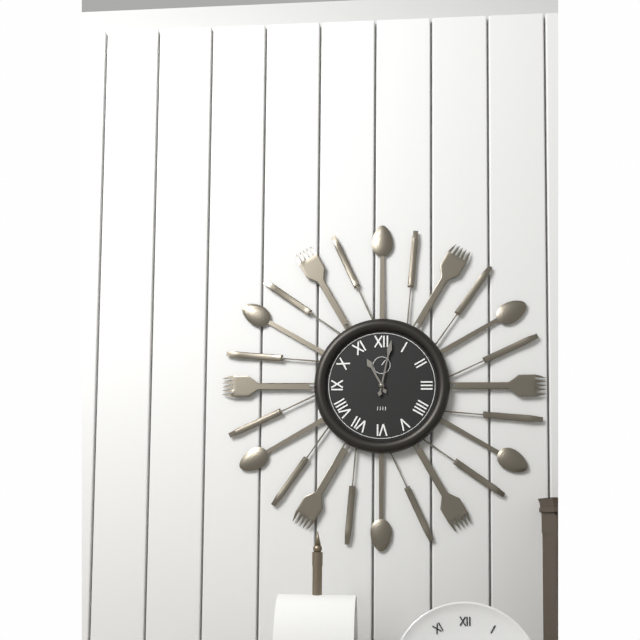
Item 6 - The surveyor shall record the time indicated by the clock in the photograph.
11:02
